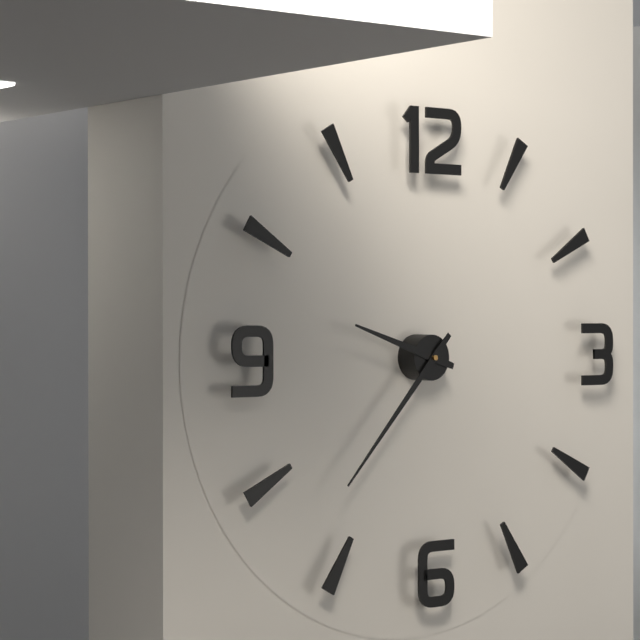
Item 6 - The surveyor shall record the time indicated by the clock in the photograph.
9:37
